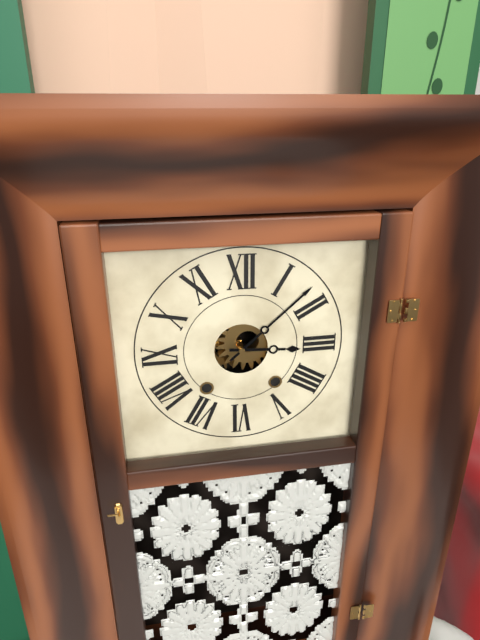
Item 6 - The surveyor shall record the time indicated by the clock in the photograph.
3:08
